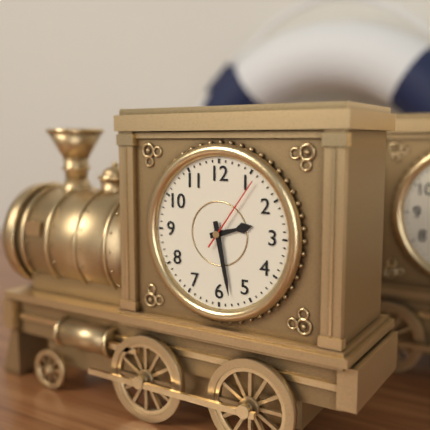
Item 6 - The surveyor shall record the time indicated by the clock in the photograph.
2:28:06
